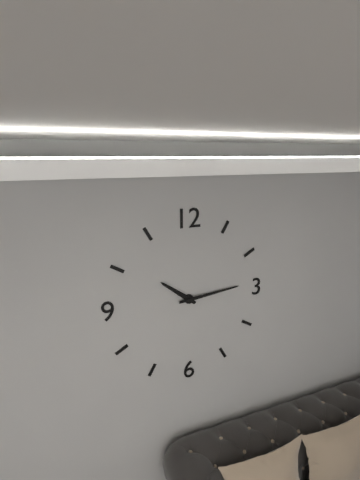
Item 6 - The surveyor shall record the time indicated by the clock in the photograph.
10:14
